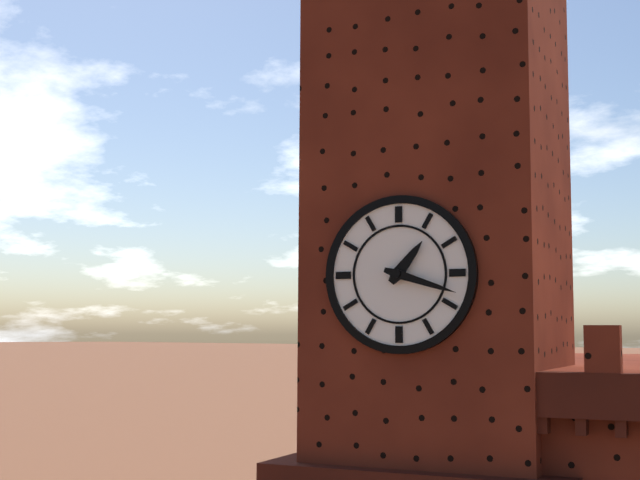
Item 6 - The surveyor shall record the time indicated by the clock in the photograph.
1:18
